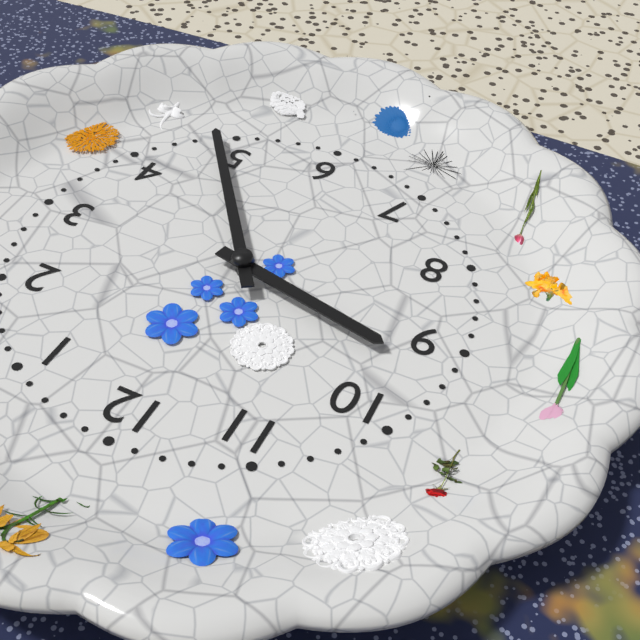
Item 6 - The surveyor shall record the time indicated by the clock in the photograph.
9:24
